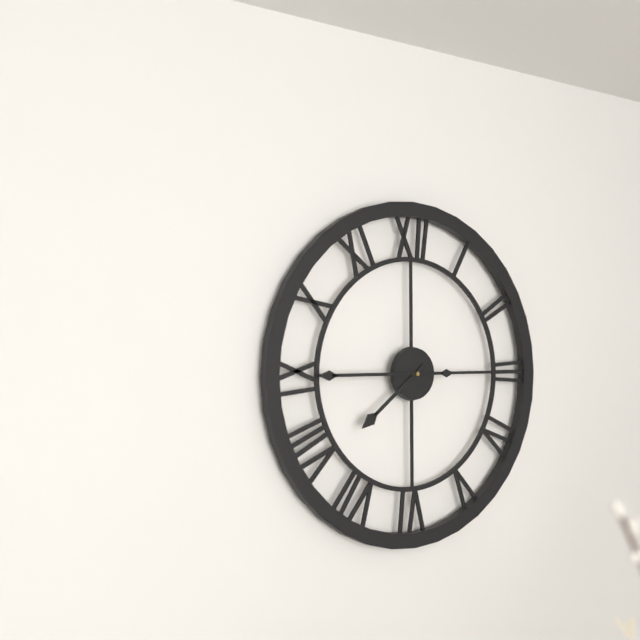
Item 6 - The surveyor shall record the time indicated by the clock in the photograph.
7:45
